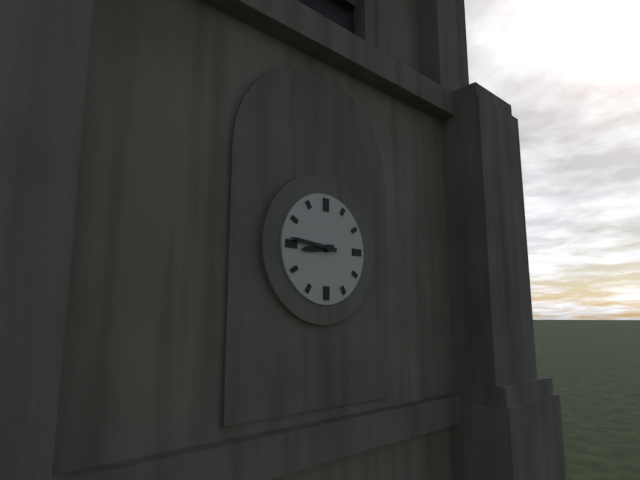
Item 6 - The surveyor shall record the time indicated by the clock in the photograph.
8:46
